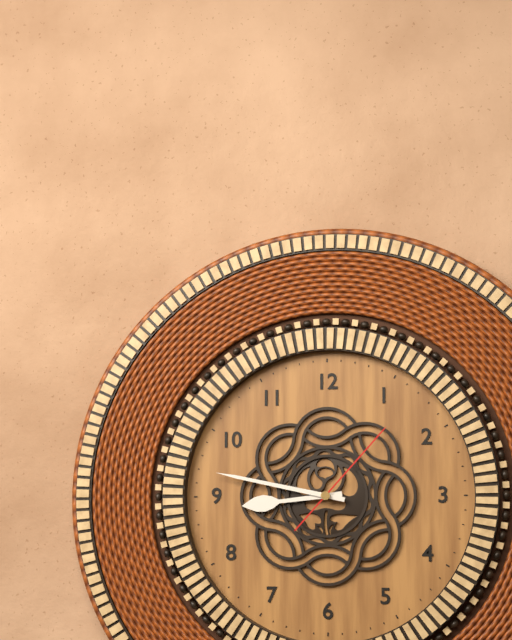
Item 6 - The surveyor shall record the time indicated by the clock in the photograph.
8:47:07
